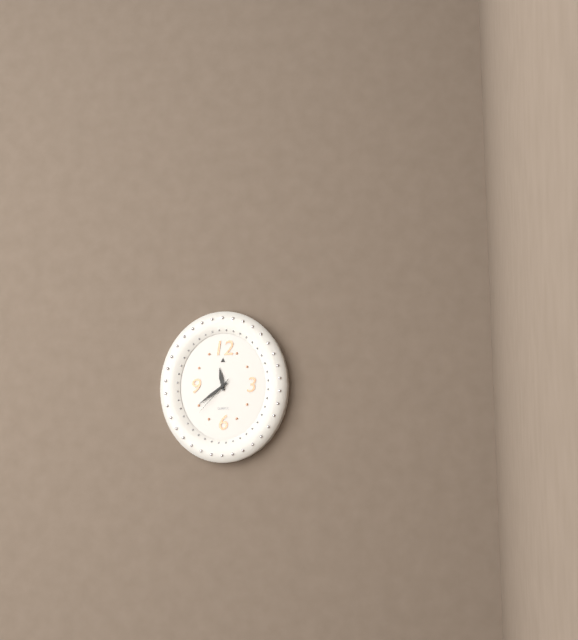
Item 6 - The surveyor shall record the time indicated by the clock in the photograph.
11:39
